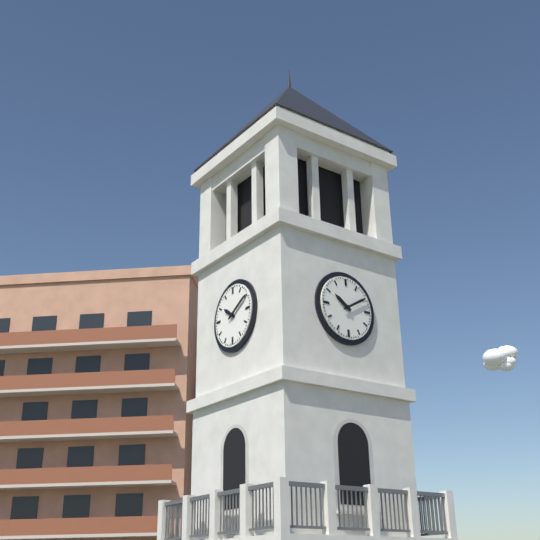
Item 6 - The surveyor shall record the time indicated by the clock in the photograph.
10:10
